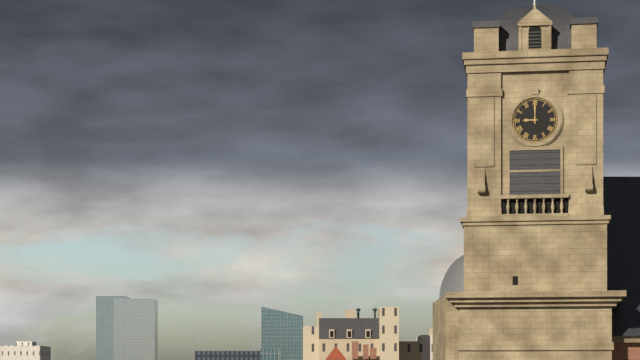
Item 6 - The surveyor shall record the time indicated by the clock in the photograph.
9:00
